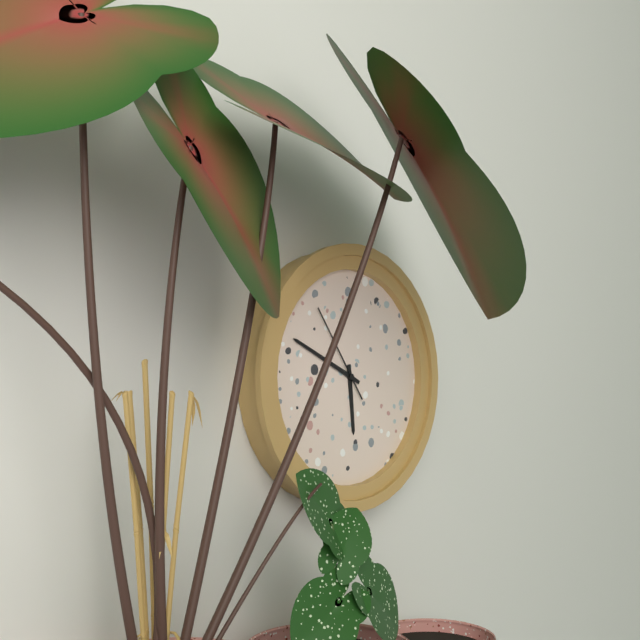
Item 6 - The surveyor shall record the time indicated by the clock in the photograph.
5:49:54
